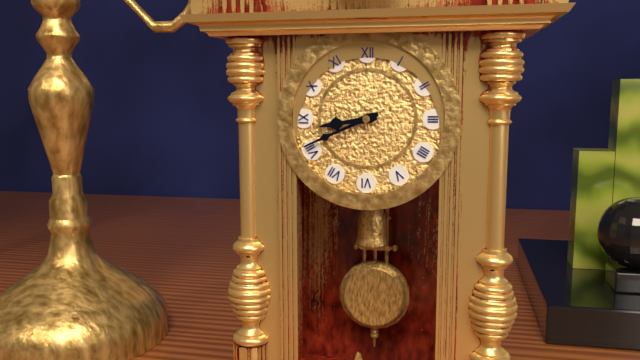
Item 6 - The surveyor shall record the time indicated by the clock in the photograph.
8:41
